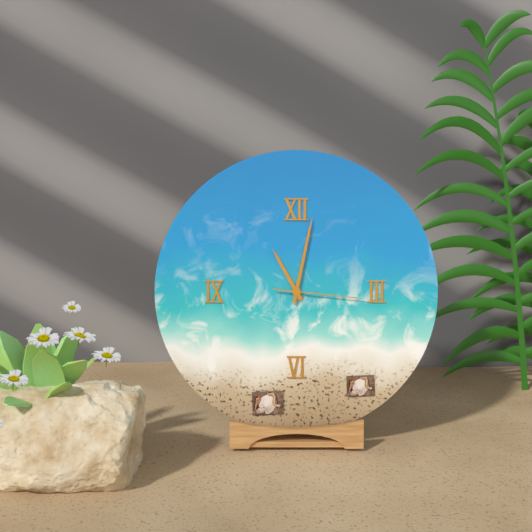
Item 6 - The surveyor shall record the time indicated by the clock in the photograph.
11:02:16
